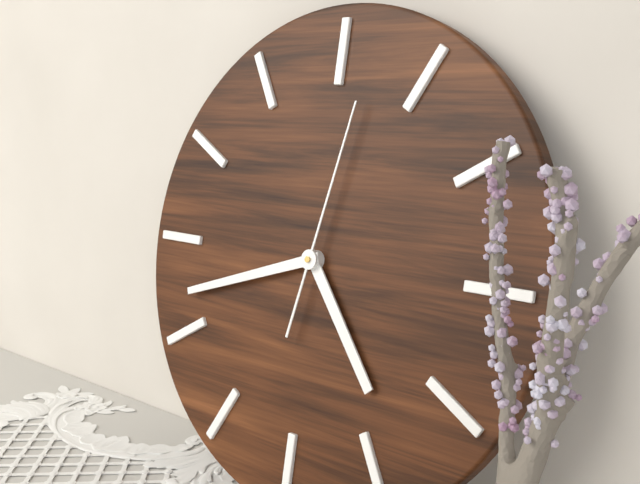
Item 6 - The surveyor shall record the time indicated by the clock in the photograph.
4:42:02
